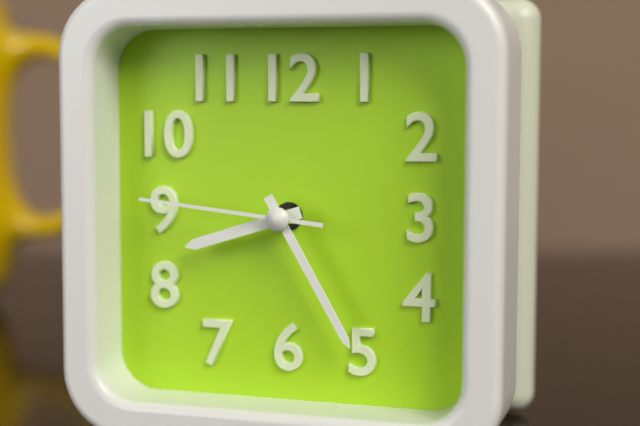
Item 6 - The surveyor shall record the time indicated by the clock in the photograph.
8:25:46
